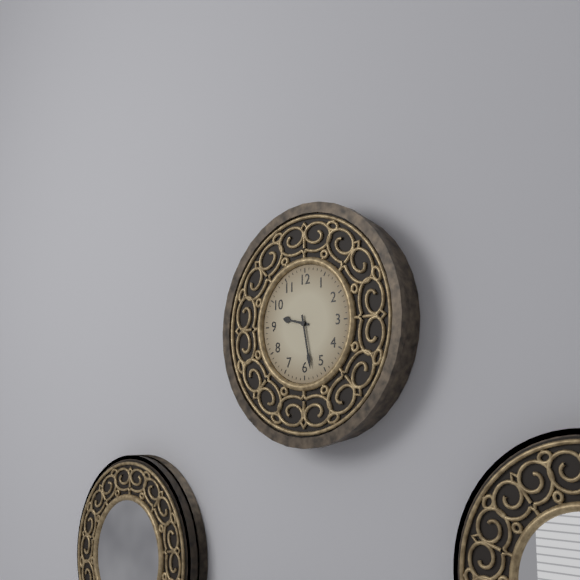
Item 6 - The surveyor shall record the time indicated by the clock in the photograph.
9:28
